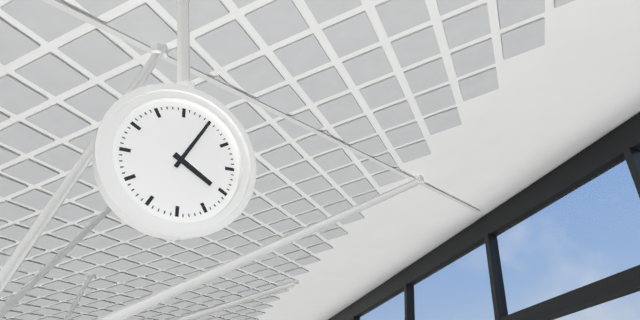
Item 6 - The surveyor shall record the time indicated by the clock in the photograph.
4:05
